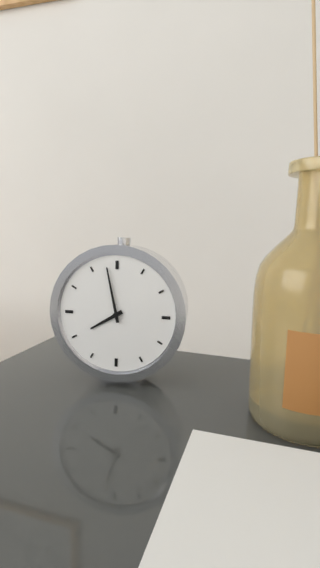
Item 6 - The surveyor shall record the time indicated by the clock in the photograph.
7:58
